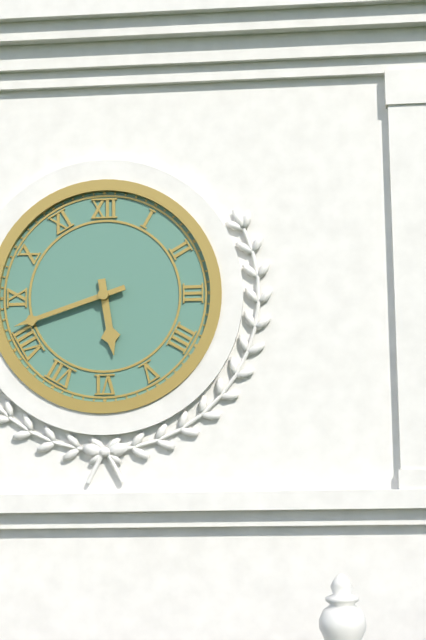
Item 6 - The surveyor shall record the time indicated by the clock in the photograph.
5:42
